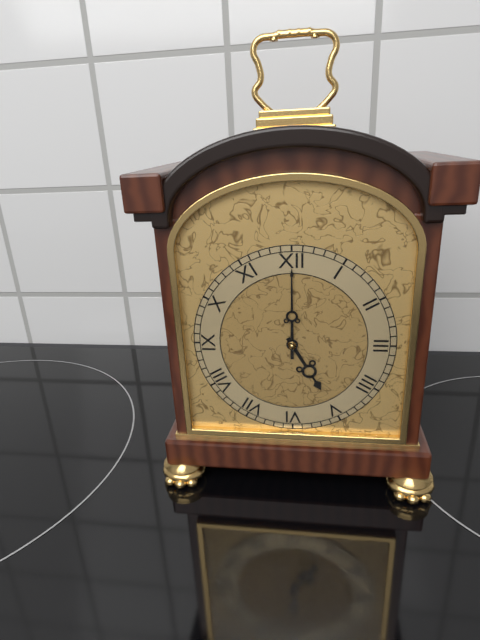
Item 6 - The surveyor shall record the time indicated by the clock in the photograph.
5:00
